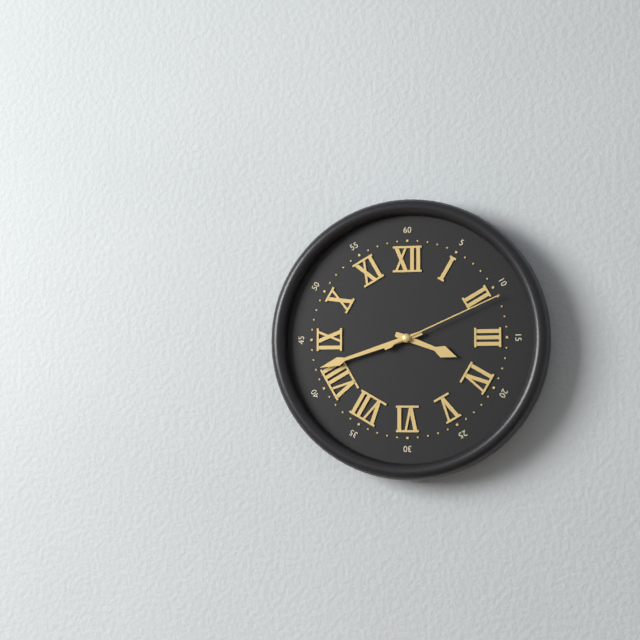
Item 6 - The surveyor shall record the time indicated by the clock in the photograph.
3:42:11
